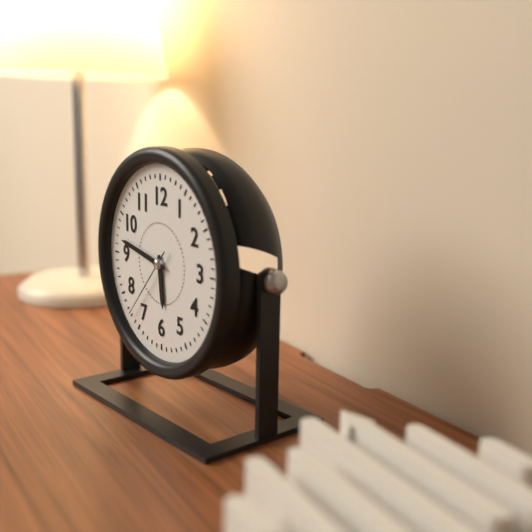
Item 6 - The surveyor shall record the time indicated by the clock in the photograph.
5:47:37
